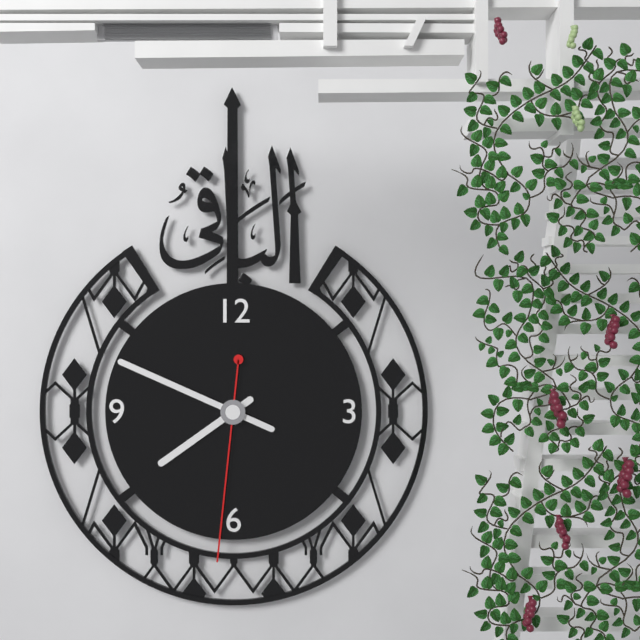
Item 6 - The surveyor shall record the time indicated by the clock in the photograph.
7:49:31
